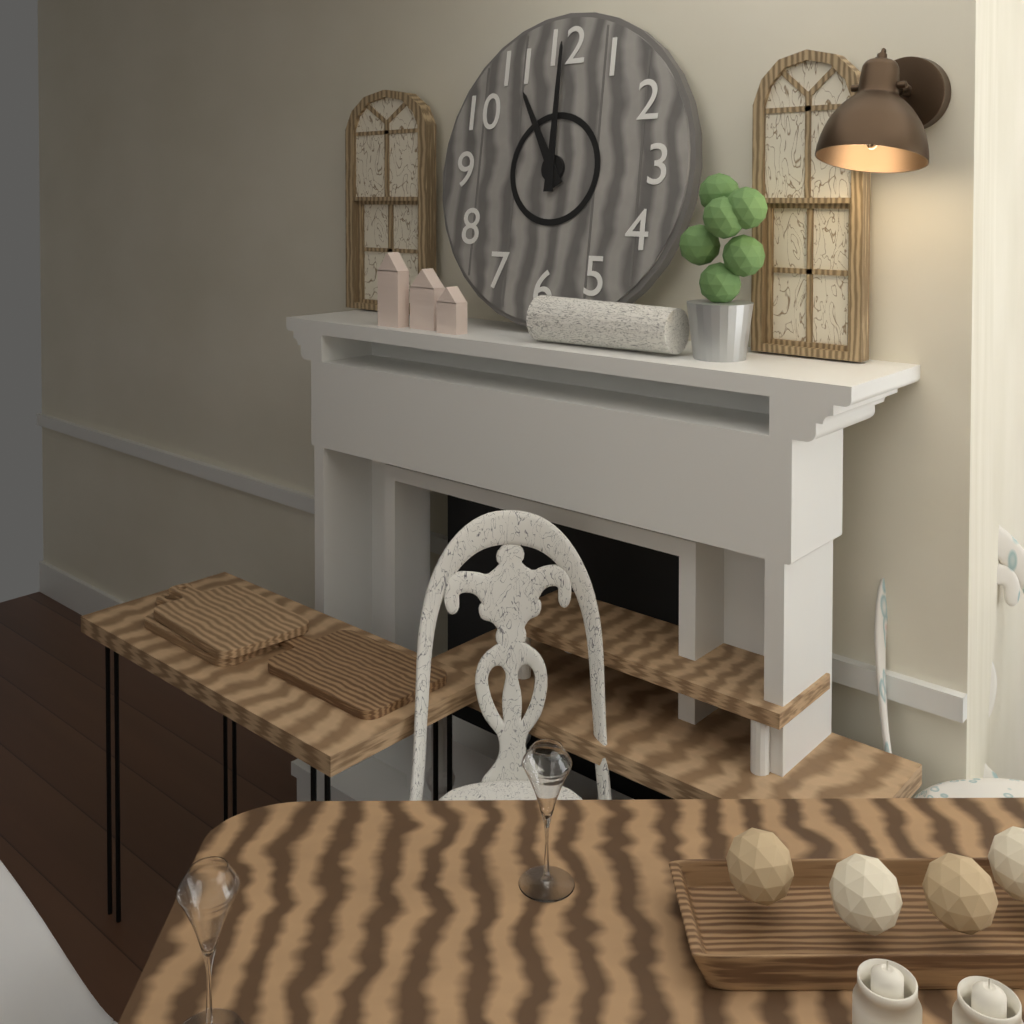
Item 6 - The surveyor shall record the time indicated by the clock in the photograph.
11:00
